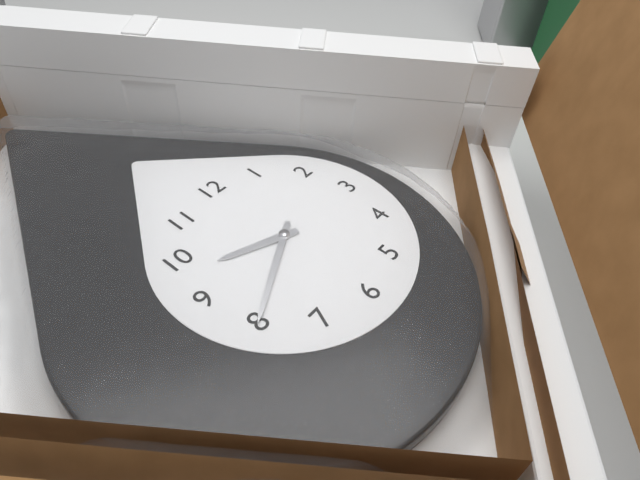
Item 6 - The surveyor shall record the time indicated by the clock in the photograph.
9:40
